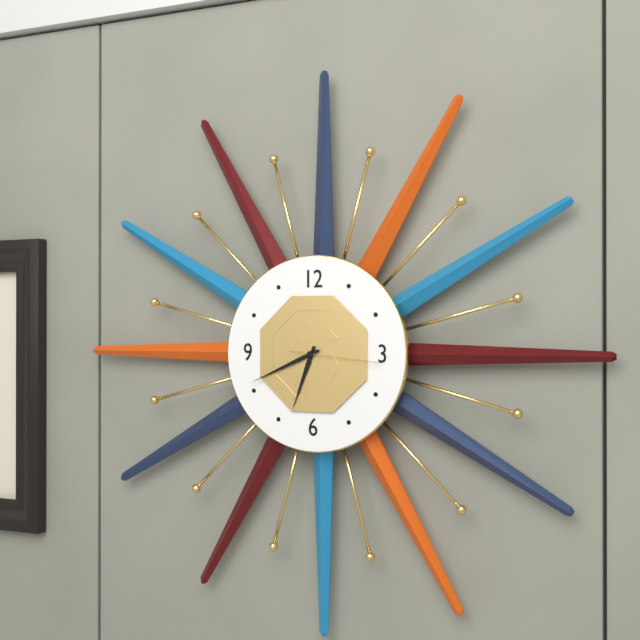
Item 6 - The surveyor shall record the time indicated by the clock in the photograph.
6:41:16
